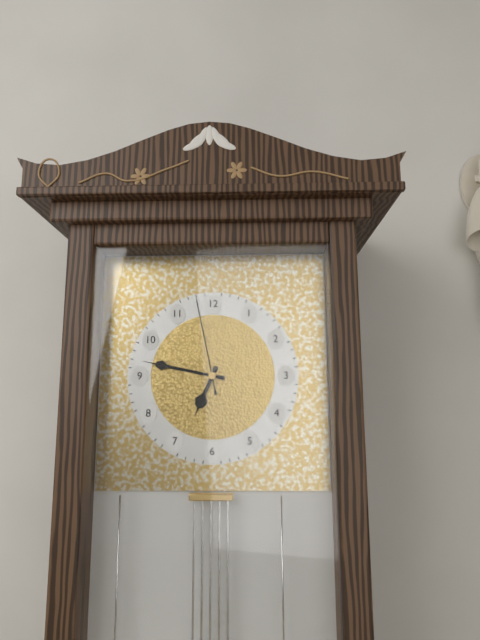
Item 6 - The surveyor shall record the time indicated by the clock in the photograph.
6:47:58
